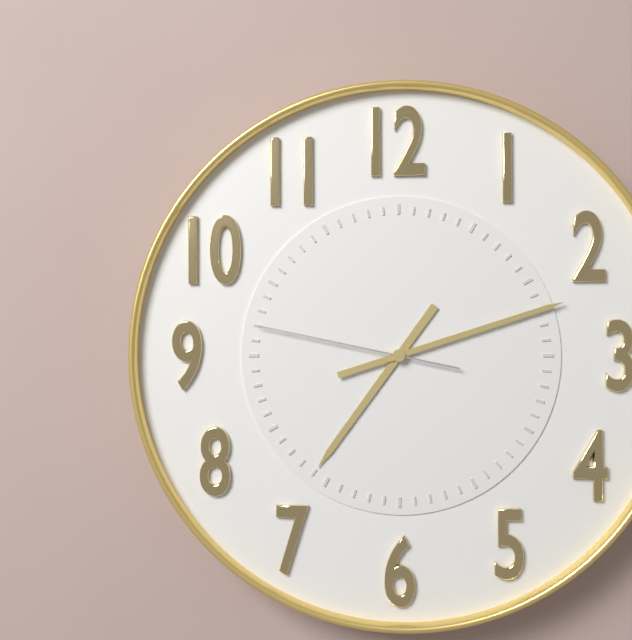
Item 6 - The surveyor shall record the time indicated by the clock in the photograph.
7:12:47
